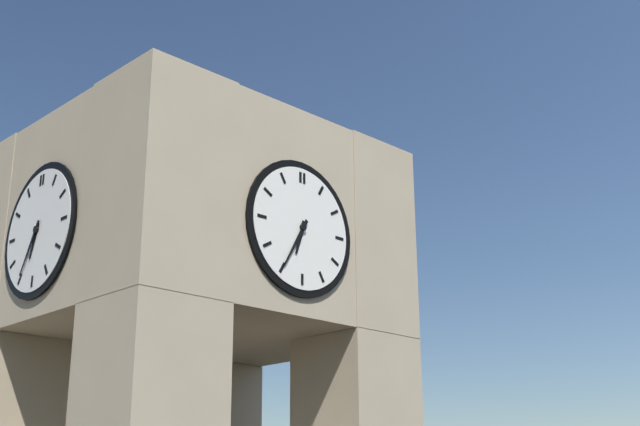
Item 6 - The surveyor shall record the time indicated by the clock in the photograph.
6:35
